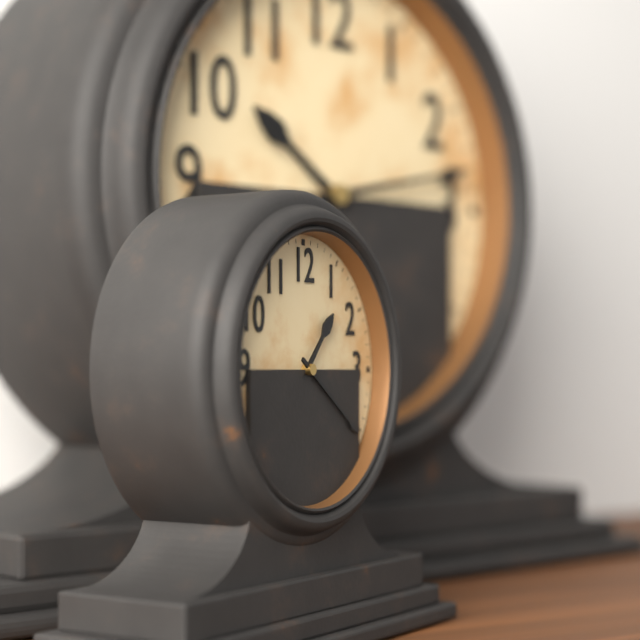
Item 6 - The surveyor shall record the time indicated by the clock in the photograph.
1:21
